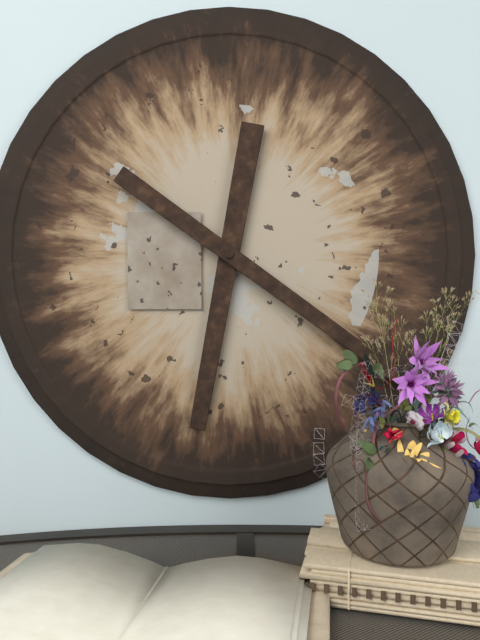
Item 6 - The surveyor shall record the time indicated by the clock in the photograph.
6:21
